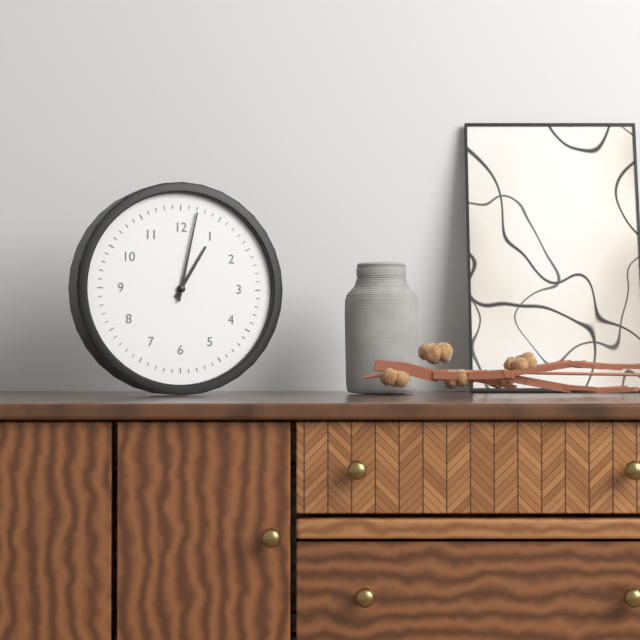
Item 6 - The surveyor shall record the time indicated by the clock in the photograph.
1:02
